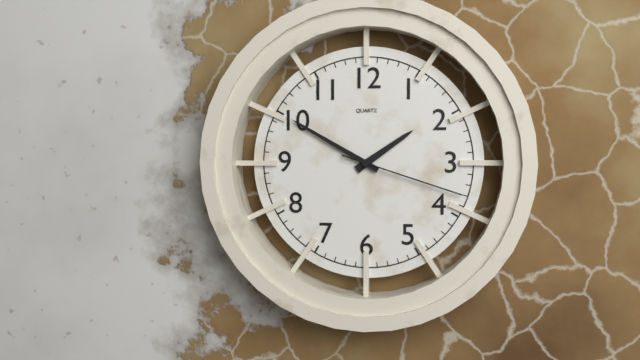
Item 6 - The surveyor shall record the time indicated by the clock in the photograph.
1:50:18
